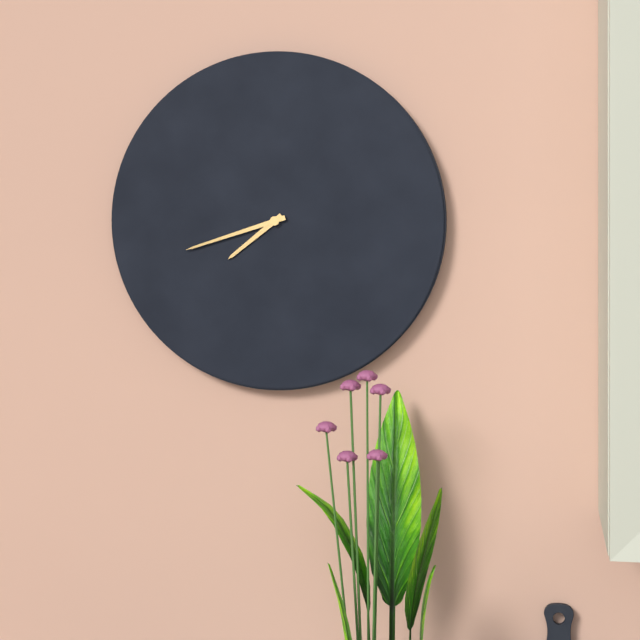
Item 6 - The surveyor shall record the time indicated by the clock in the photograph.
7:42
